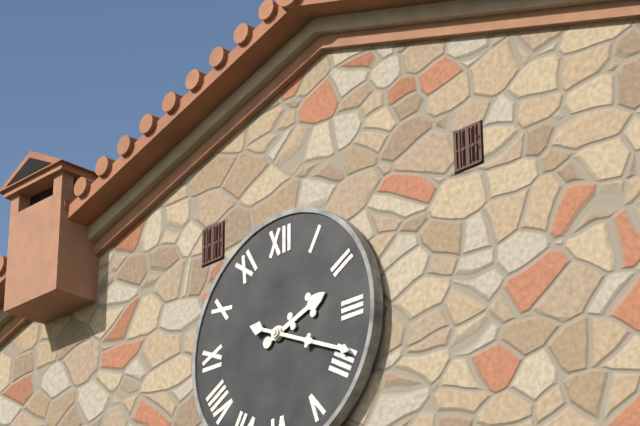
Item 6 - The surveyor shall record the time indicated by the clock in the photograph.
2:19
